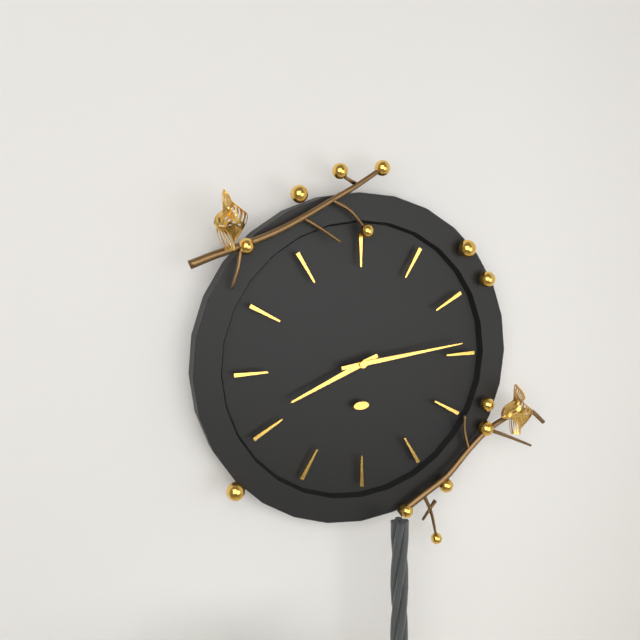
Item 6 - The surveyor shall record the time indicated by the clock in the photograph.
8:14
